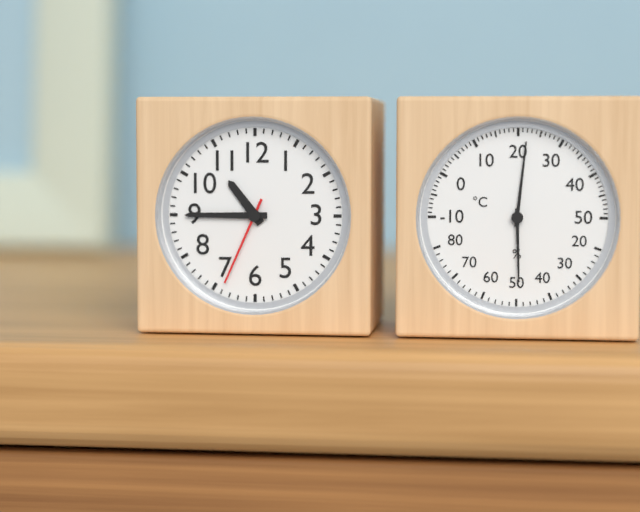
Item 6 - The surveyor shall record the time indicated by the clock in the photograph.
10:45:34
